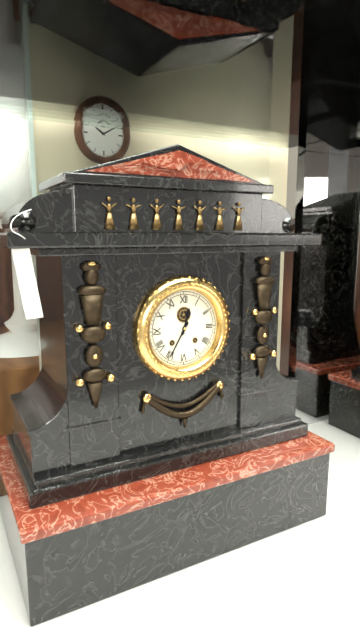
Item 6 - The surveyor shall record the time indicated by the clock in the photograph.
12:35
